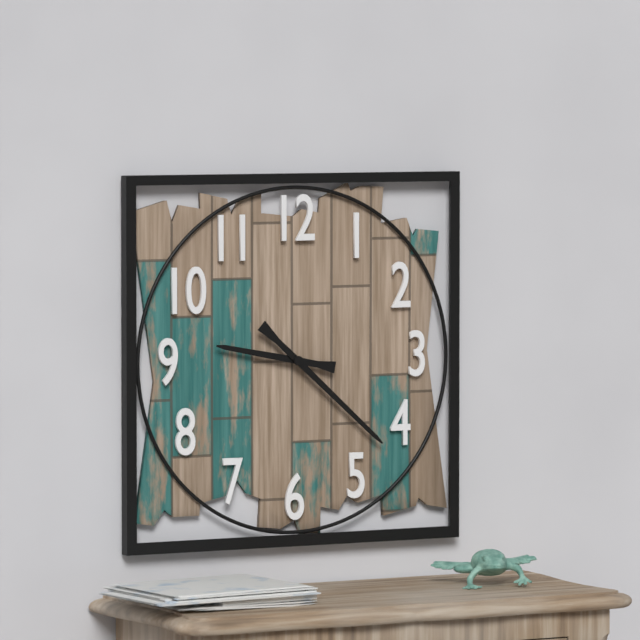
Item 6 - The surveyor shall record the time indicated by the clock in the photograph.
9:22
